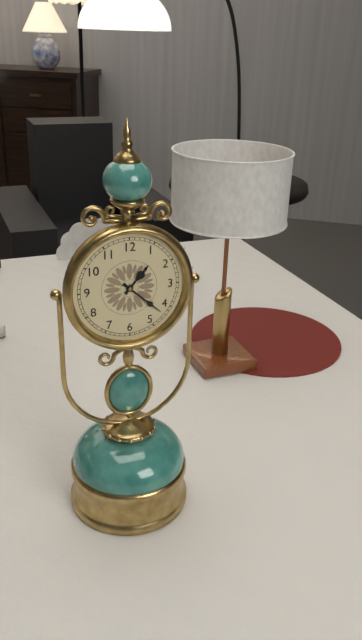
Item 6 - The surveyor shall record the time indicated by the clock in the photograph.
1:22
